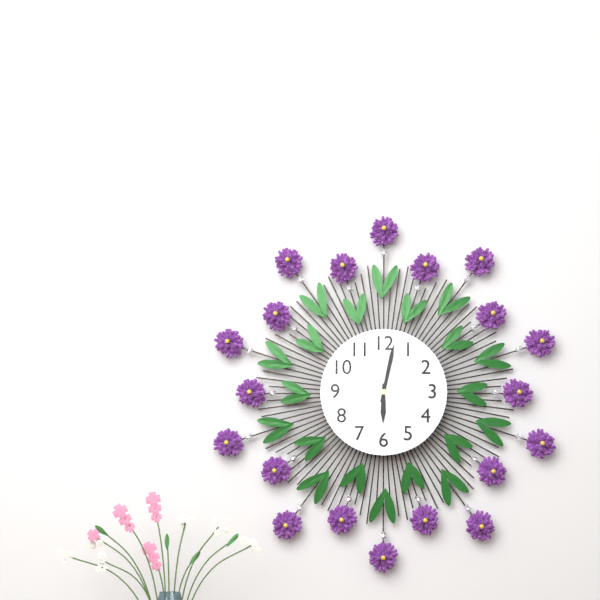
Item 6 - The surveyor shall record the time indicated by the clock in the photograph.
6:02
